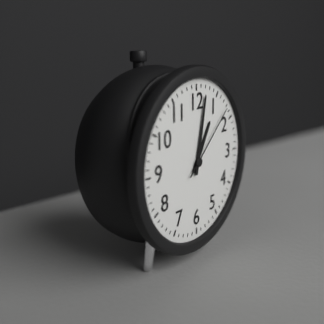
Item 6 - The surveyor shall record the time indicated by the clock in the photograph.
1:02:08
